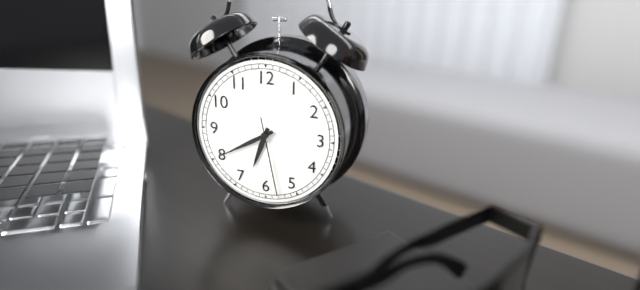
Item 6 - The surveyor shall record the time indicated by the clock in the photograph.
6:40:28
